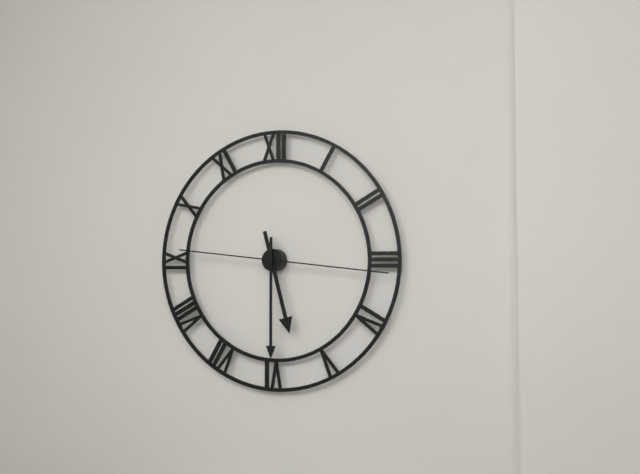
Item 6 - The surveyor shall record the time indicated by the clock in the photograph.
5:30:16
